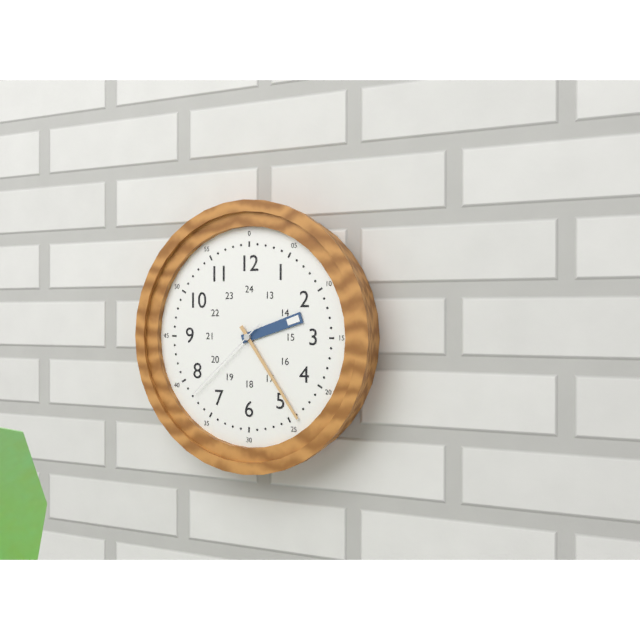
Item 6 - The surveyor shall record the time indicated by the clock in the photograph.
2:24:38
